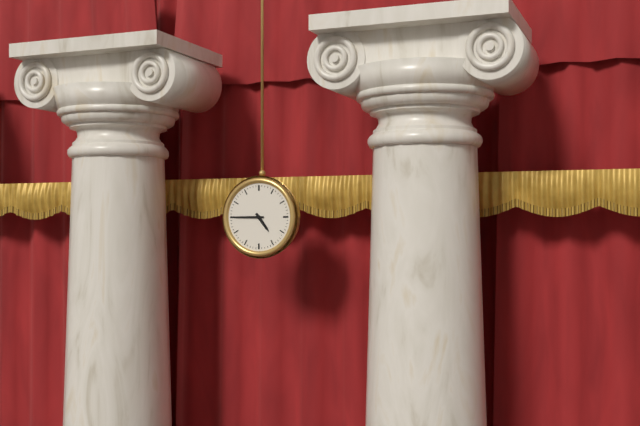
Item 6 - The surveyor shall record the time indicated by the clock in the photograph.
4:45
